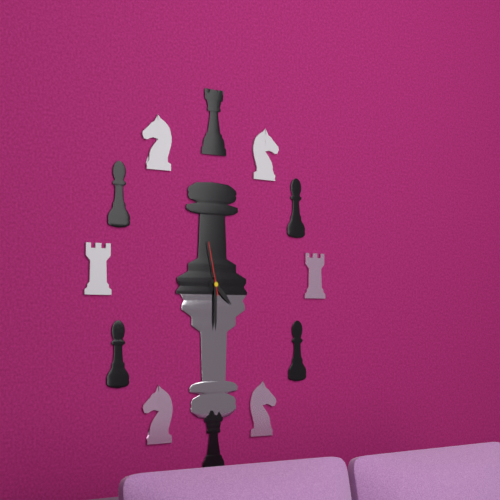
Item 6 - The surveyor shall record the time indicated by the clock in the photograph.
4:30:58
